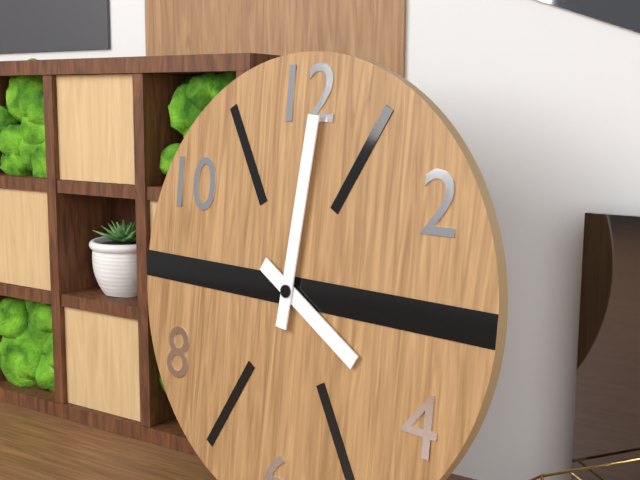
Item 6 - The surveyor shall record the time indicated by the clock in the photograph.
4:01
